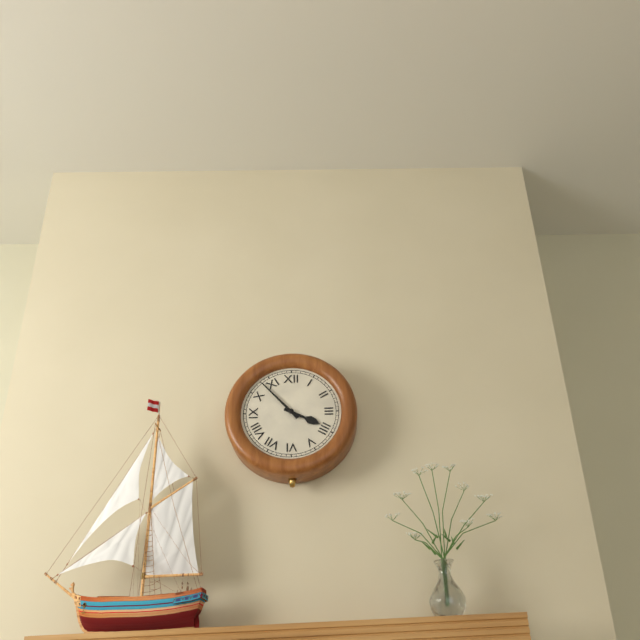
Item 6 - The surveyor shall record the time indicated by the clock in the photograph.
3:53
